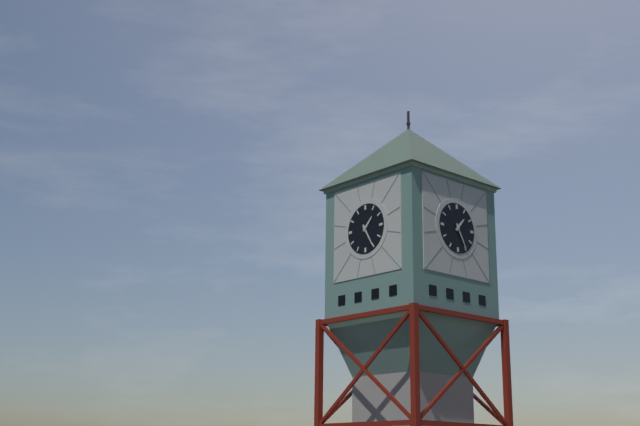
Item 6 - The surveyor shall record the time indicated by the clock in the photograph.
1:25
